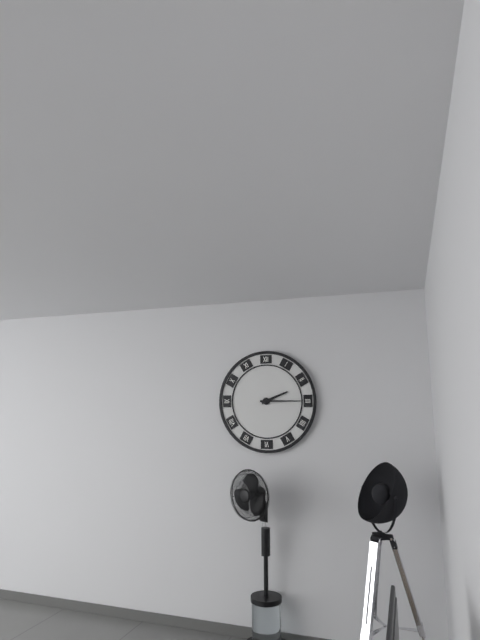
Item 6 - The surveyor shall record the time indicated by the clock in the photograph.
2:15
